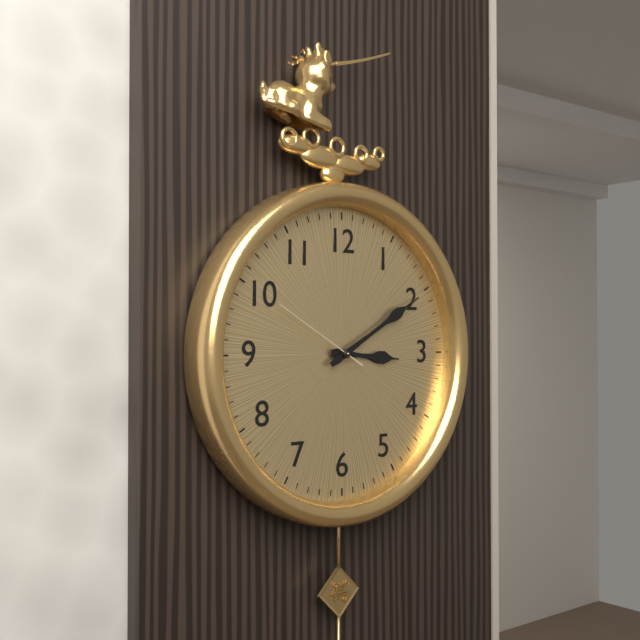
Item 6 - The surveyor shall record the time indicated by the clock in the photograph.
3:10:50
